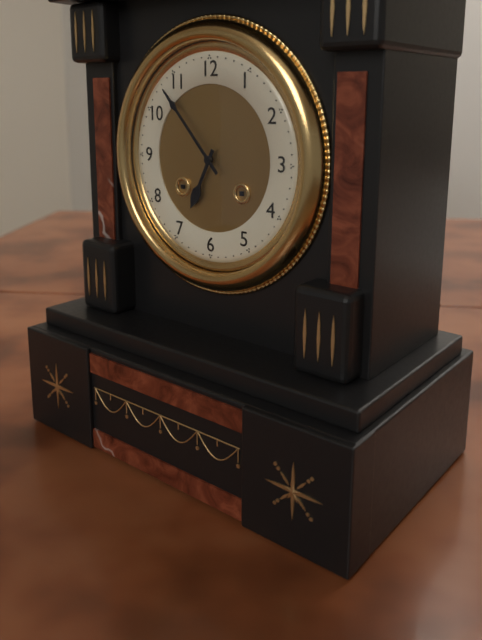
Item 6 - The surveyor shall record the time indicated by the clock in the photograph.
6:53
